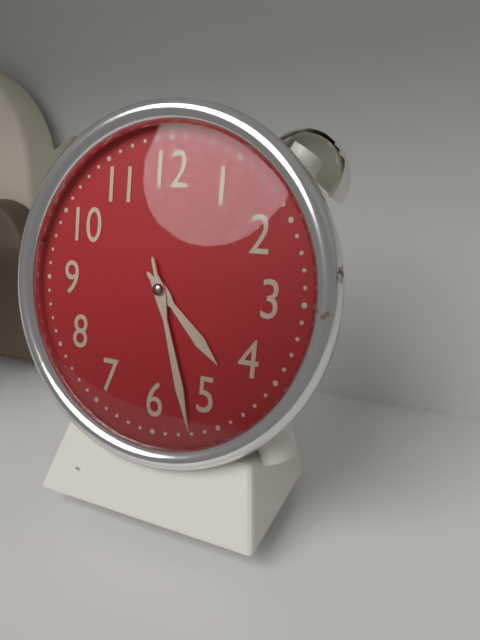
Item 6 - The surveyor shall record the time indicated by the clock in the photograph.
4:27
